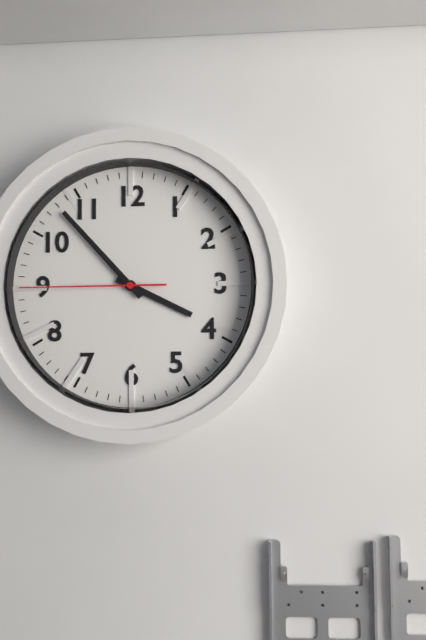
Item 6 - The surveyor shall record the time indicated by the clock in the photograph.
3:53:45
